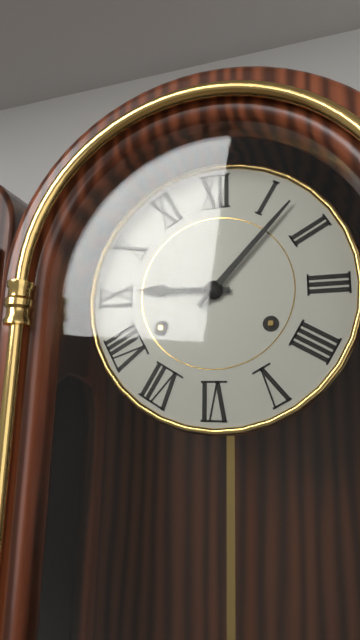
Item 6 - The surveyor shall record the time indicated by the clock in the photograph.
9:07
